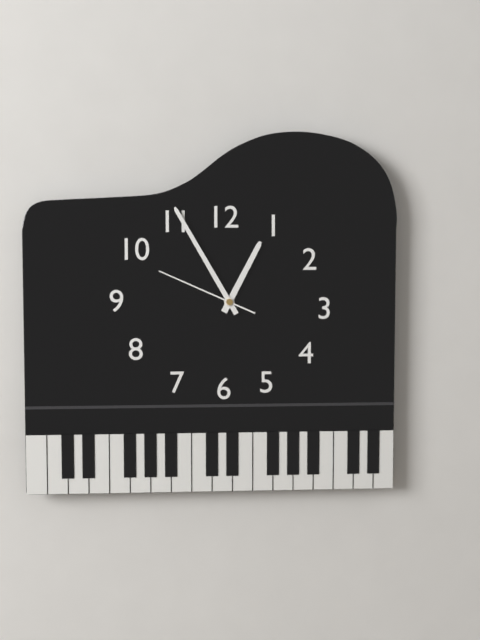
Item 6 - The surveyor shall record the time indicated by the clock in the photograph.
12:55:49
